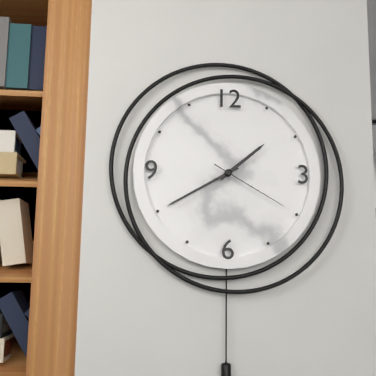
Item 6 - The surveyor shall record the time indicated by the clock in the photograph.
1:40:20
